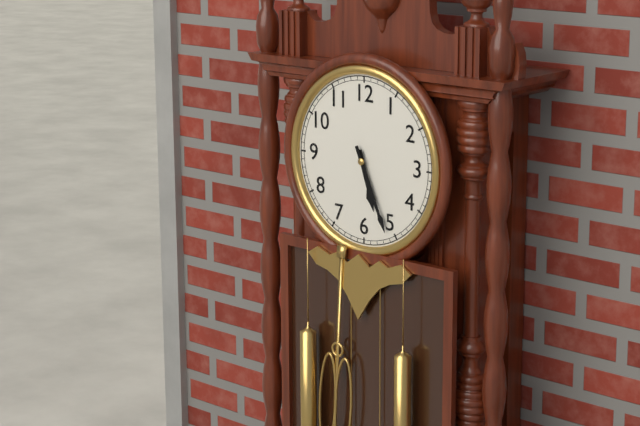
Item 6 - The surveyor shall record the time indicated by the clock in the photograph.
5:26
